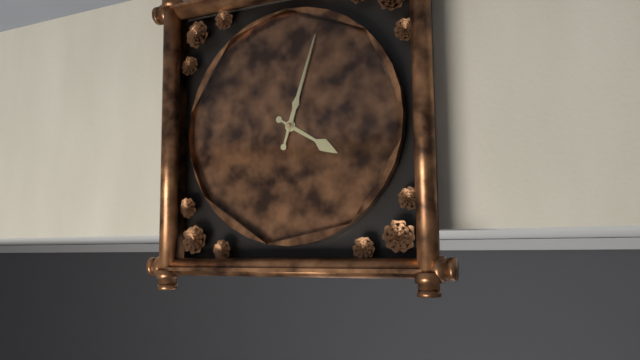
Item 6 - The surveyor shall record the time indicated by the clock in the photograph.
4:03
